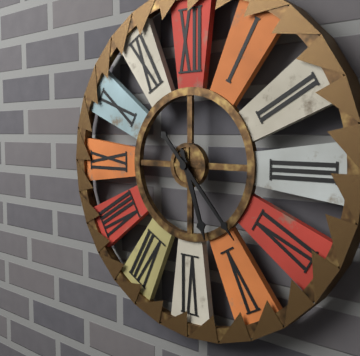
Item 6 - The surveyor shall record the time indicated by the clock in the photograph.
5:23
